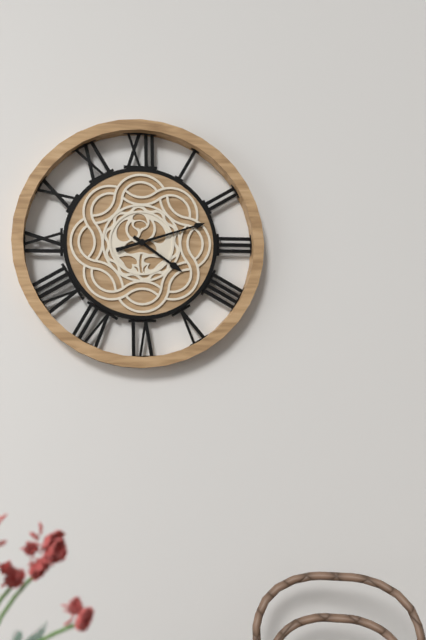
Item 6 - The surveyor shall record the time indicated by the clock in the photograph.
4:12
